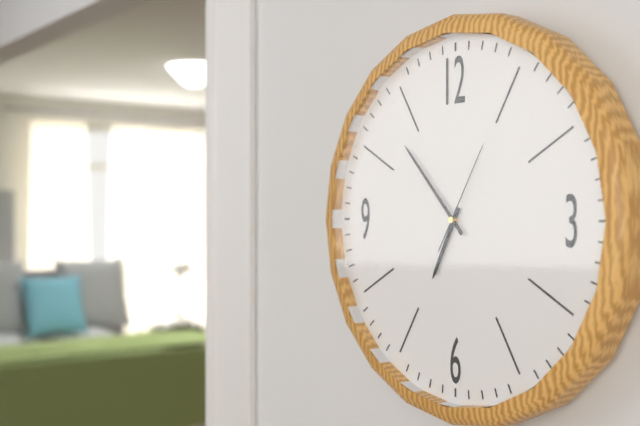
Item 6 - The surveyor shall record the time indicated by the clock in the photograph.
6:53:05
